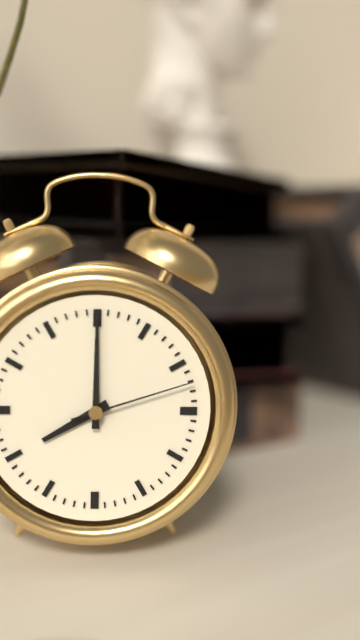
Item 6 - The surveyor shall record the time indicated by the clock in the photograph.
8:00:12
